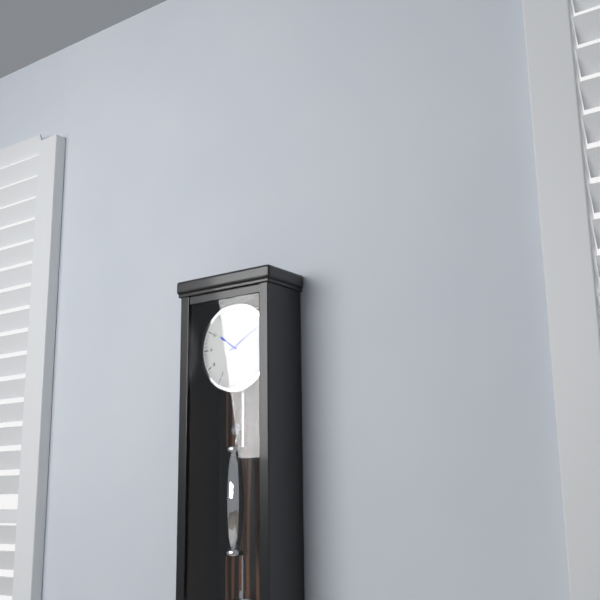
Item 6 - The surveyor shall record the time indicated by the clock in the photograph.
10:10
